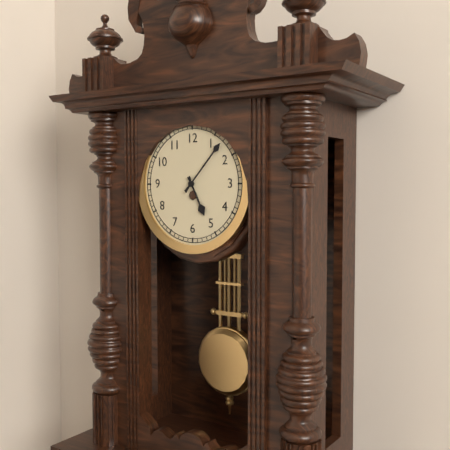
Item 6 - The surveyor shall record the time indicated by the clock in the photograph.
5:07
